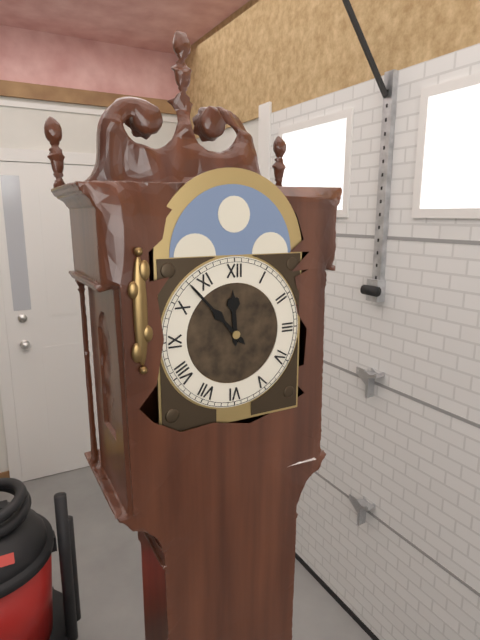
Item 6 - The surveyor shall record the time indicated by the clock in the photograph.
11:53
